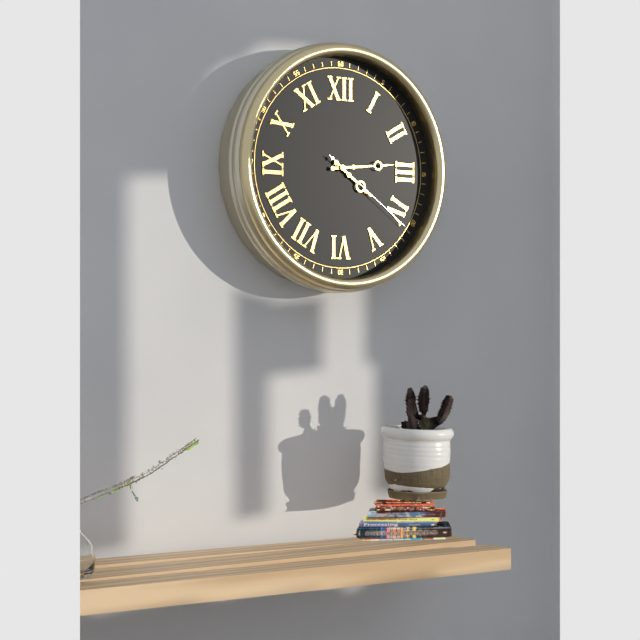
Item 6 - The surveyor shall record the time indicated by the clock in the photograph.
4:14:21
